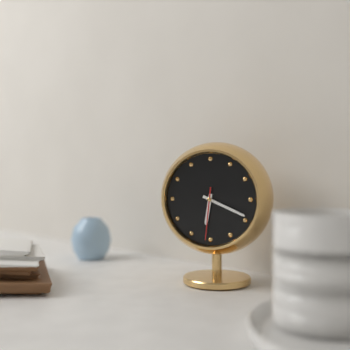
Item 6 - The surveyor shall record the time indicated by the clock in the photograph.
6:19:31
